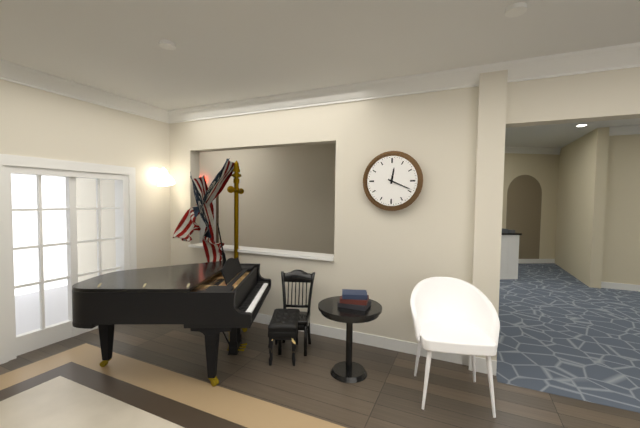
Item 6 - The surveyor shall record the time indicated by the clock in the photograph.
12:19
